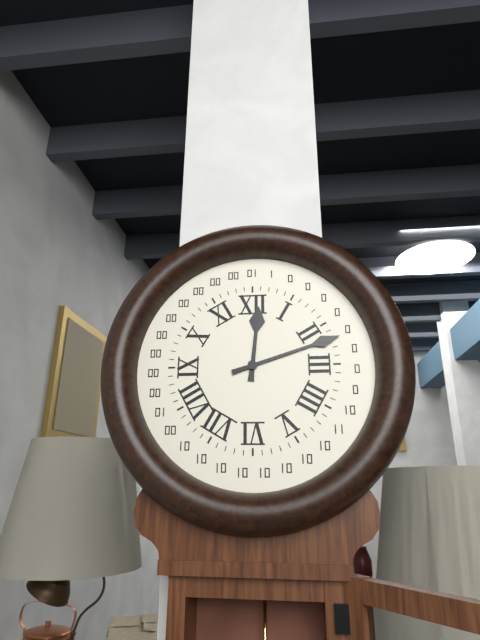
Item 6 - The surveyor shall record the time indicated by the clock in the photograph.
12:12
